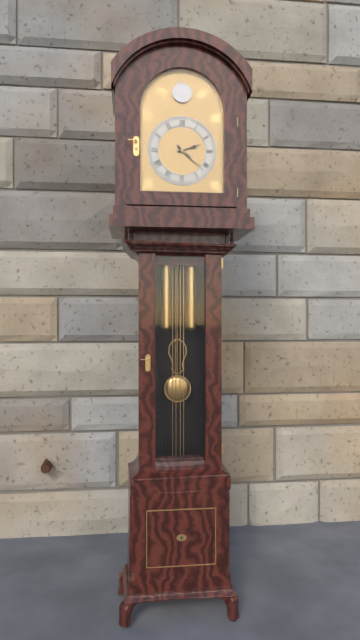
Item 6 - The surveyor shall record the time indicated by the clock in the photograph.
2:22
